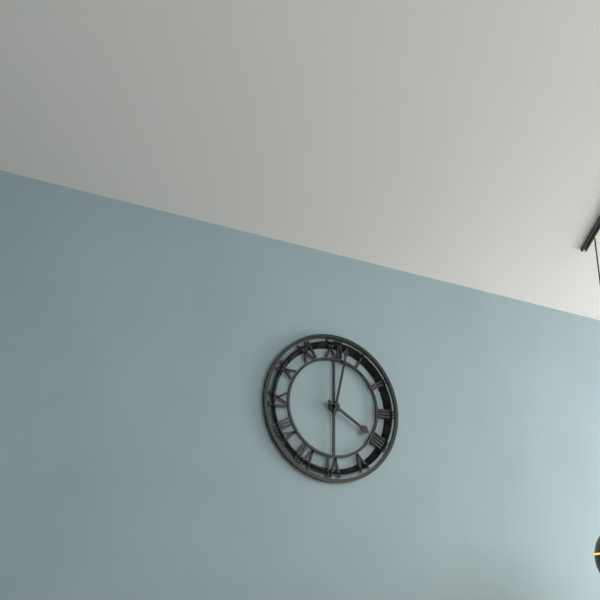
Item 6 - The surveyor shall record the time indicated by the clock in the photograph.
4:02
